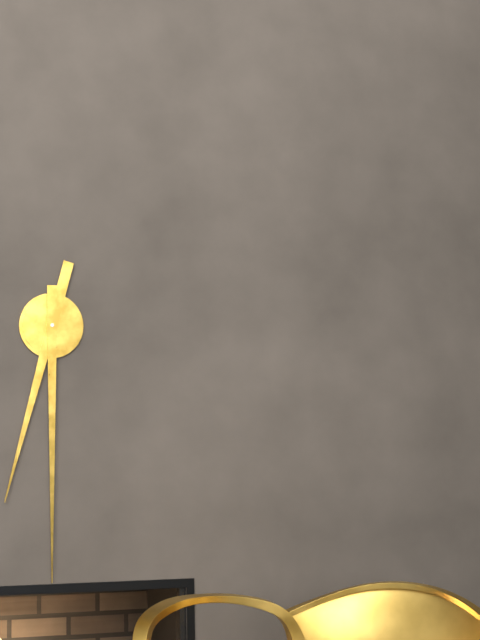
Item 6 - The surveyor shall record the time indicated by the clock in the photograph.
6:30
